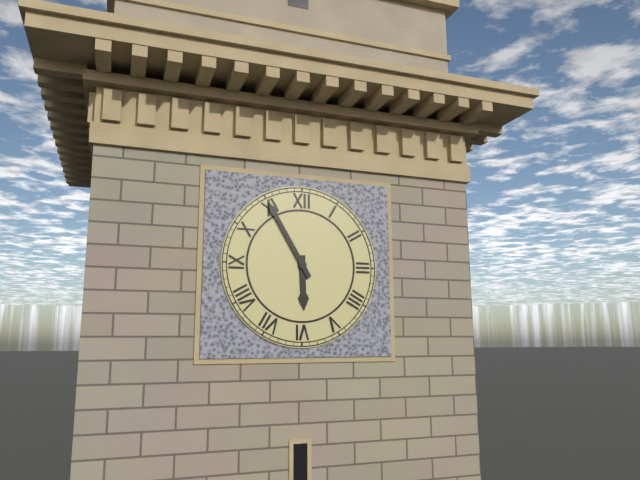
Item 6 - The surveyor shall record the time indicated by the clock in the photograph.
5:55
